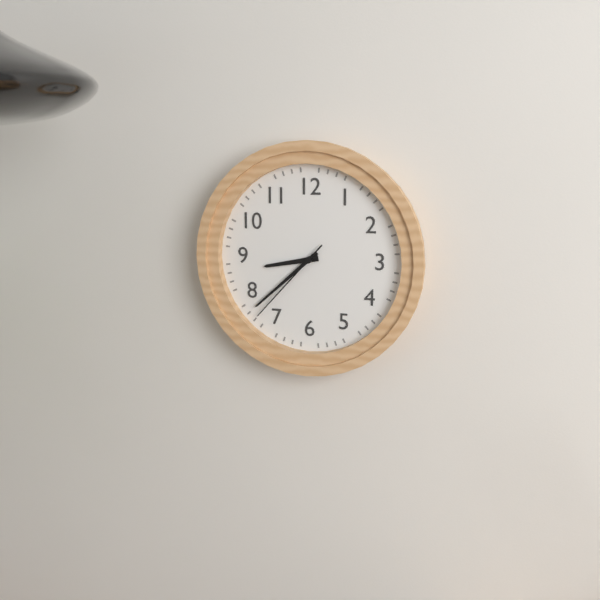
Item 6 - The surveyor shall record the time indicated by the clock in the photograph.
8:38:37
